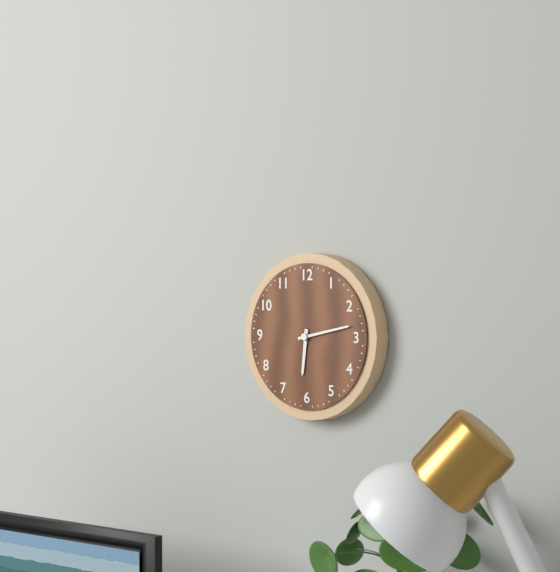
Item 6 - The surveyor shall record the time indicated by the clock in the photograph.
6:13
